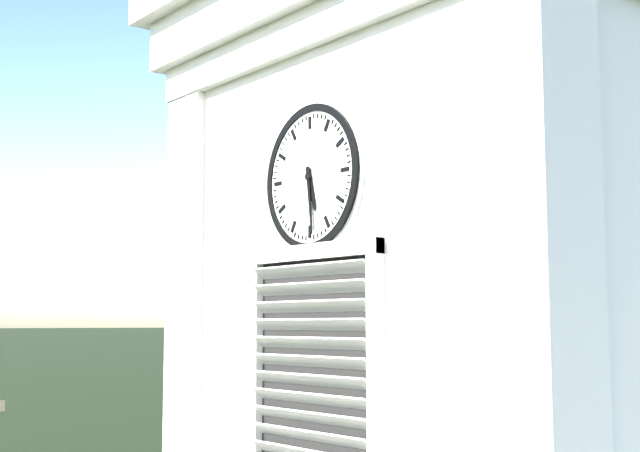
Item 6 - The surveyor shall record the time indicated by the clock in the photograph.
5:29
